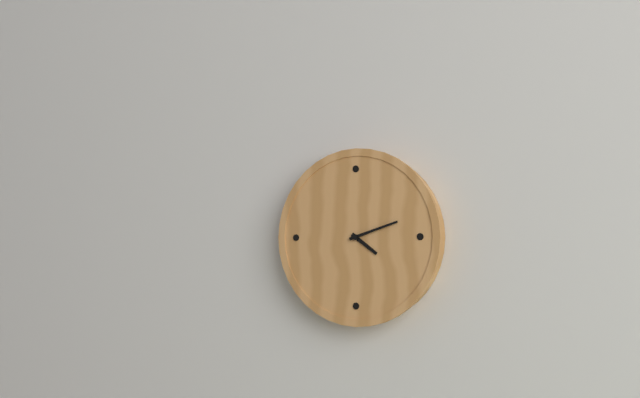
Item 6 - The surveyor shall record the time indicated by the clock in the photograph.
4:12
